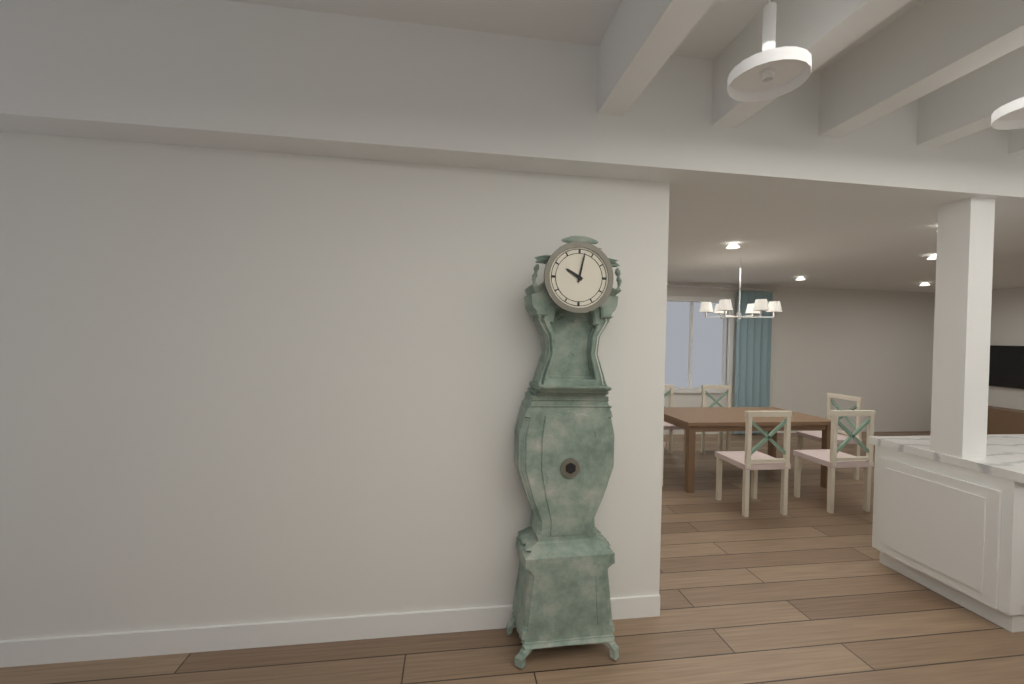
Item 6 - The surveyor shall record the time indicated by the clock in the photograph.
10:02
